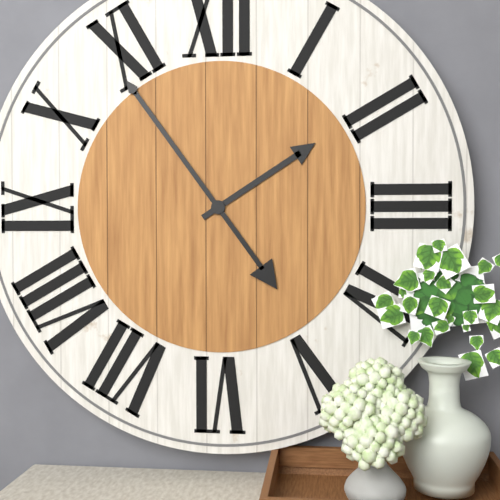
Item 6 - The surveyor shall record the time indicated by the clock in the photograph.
1:54
